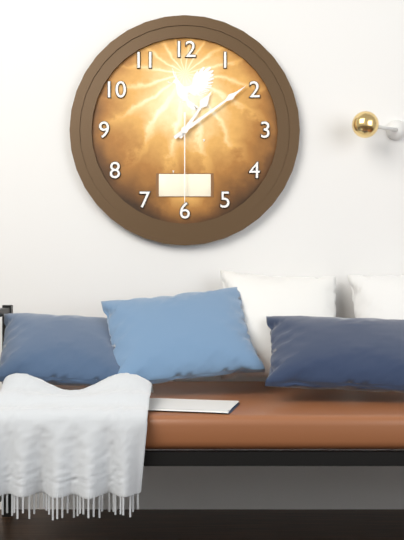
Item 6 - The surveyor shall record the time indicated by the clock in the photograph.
1:09:30
